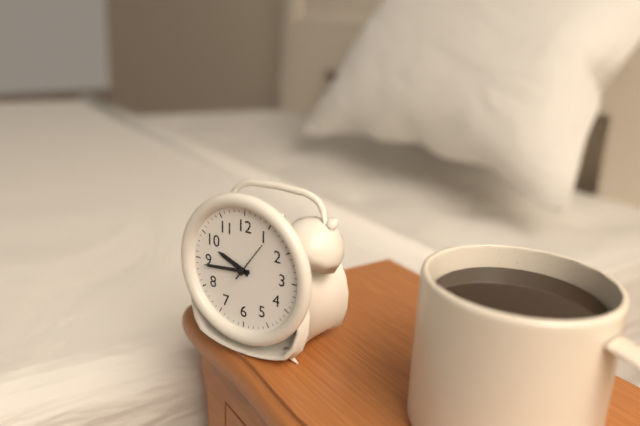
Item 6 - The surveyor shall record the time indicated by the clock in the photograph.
9:44
